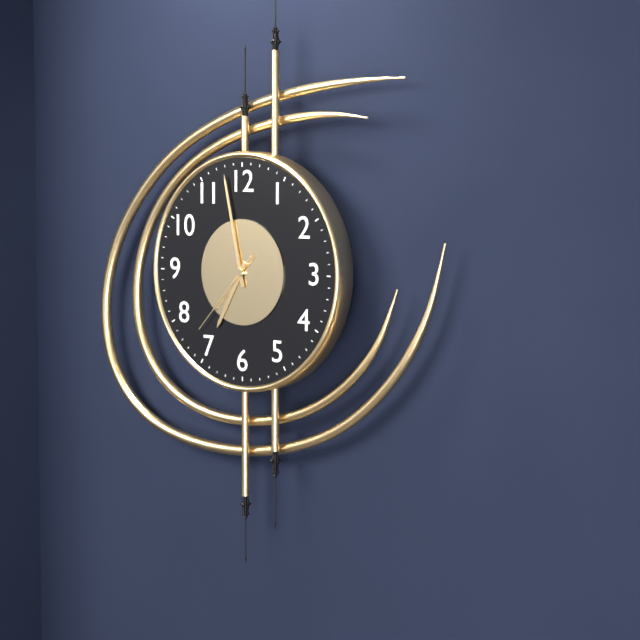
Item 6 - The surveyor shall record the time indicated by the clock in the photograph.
6:58:37
